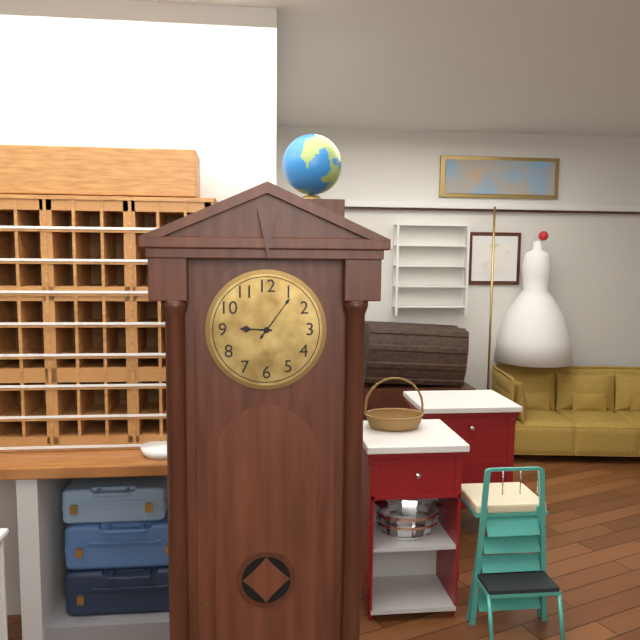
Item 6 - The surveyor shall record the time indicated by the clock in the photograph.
9:06
